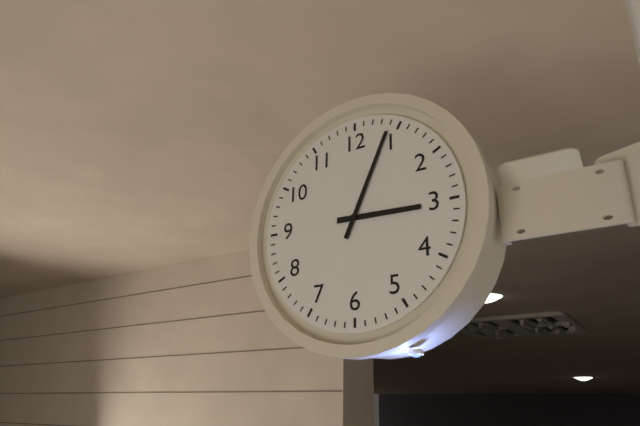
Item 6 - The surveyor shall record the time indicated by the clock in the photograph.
3:04
